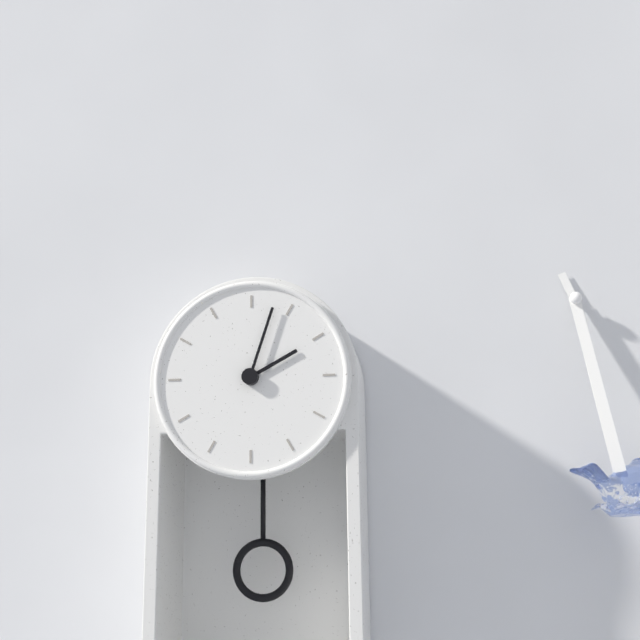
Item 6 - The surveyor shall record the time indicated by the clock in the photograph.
2:03
